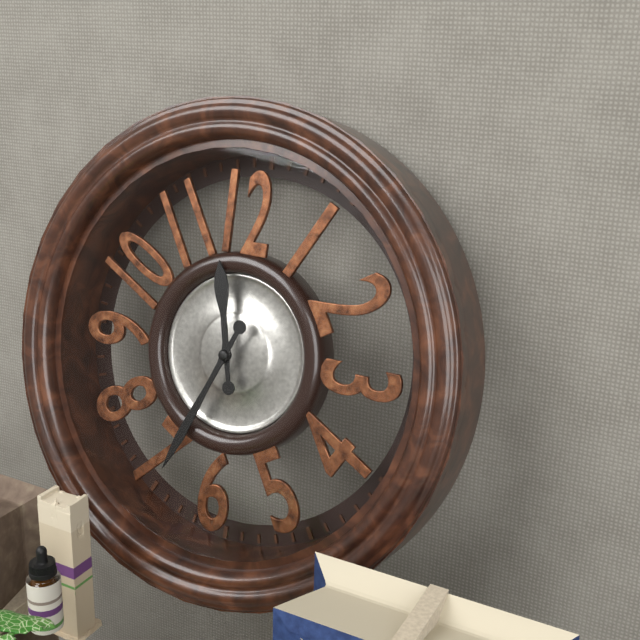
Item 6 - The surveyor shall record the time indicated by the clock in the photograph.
11:34
